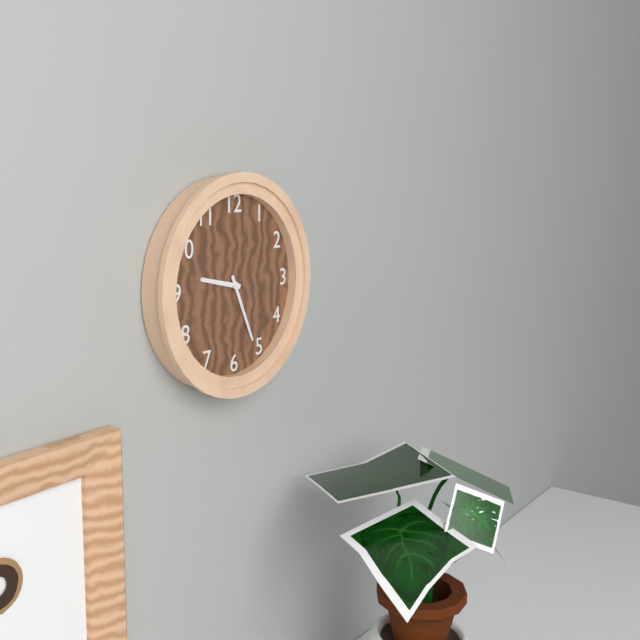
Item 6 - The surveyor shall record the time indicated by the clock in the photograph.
9:26
